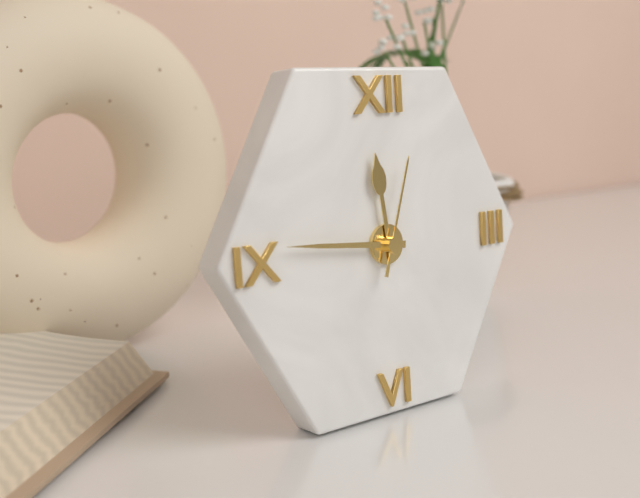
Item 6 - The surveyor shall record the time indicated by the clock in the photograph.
11:46:03
